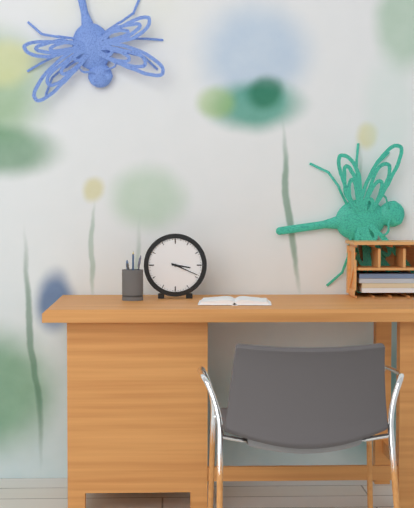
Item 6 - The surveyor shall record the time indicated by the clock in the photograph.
3:19
